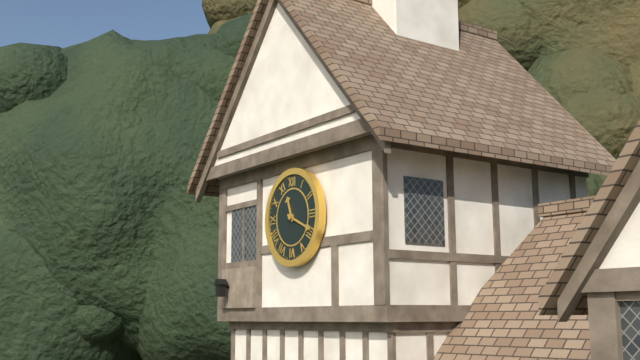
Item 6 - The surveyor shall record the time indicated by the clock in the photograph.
11:19
